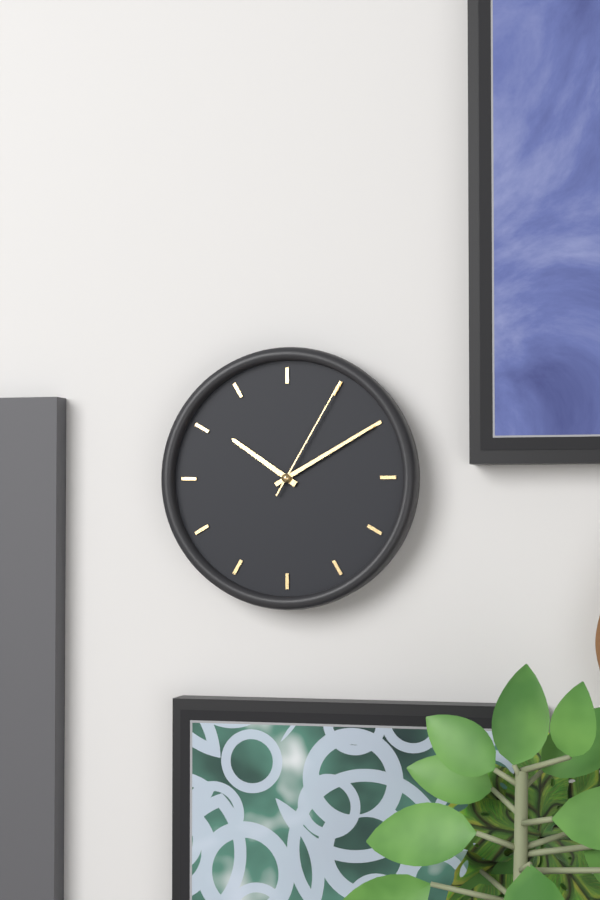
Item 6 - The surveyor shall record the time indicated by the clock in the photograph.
10:10:05
